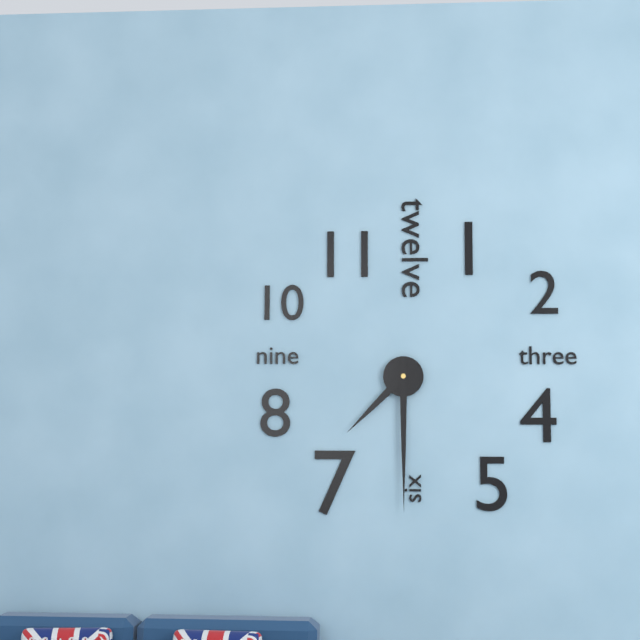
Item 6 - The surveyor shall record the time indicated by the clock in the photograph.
7:30
